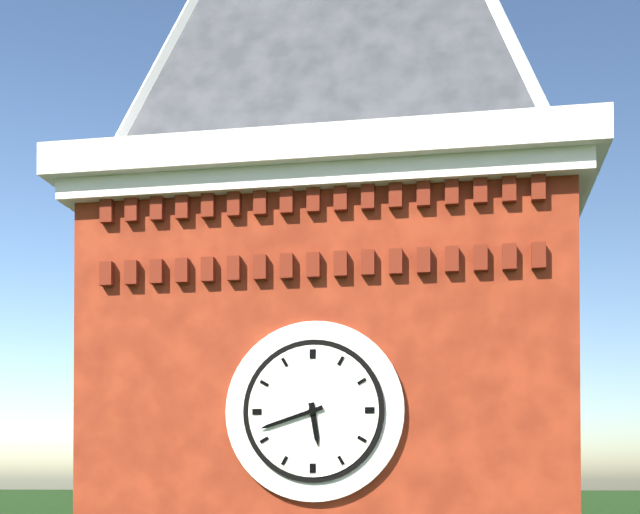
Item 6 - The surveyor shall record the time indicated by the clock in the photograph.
5:42
